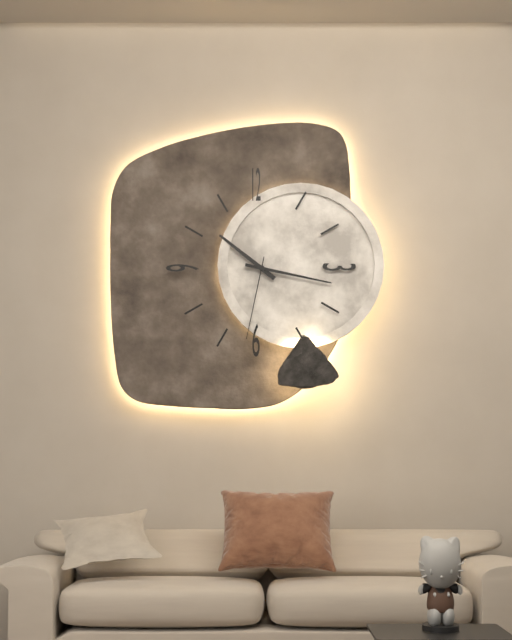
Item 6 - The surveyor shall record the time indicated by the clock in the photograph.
10:17:32
